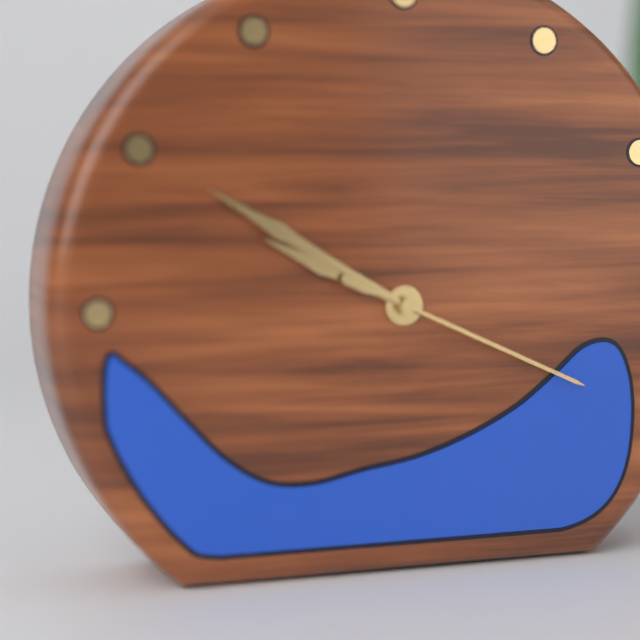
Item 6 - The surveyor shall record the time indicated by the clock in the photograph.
9:50:19
